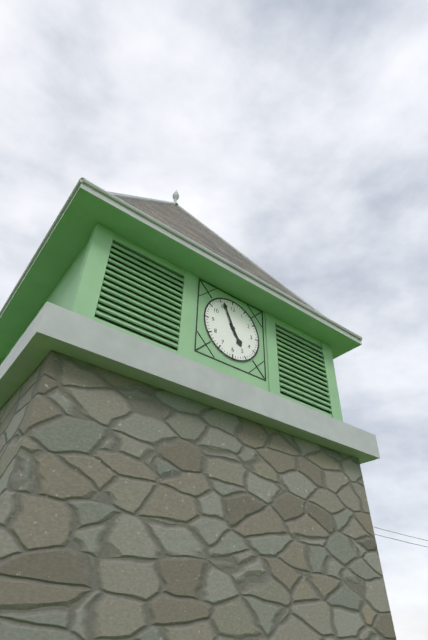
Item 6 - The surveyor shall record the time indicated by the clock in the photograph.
4:56
